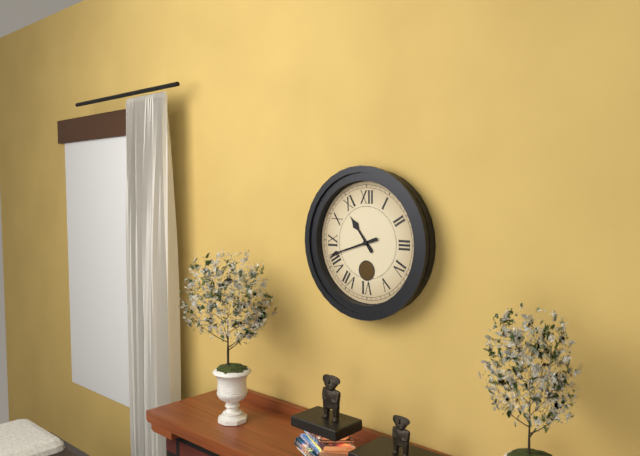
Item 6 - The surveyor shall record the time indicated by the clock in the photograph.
10:42
